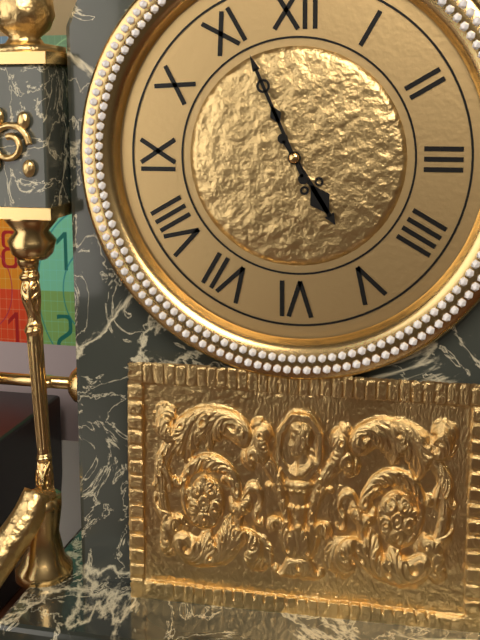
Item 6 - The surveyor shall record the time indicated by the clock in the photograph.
4:56
